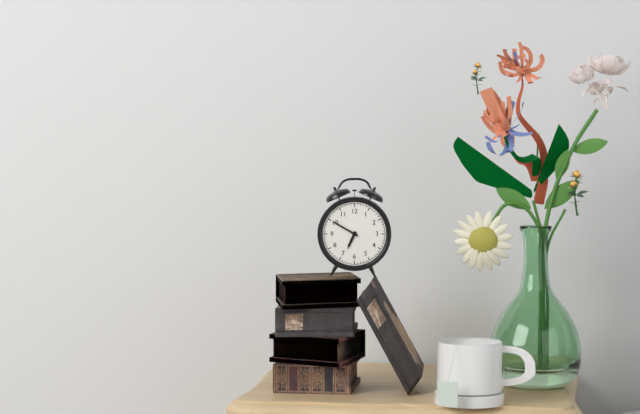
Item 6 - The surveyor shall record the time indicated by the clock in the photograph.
6:50
